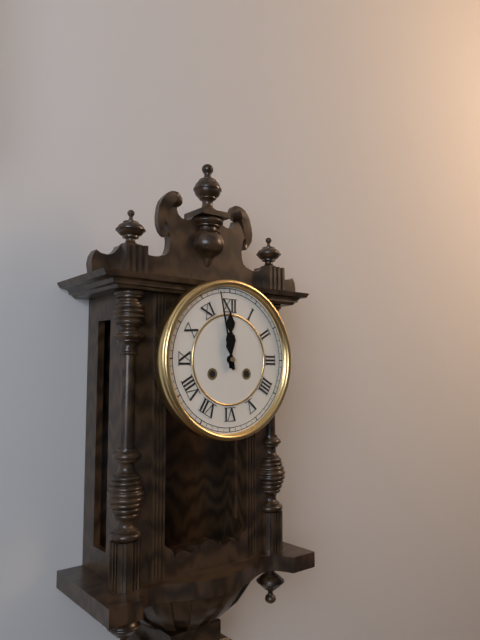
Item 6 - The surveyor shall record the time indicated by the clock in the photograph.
11:58
